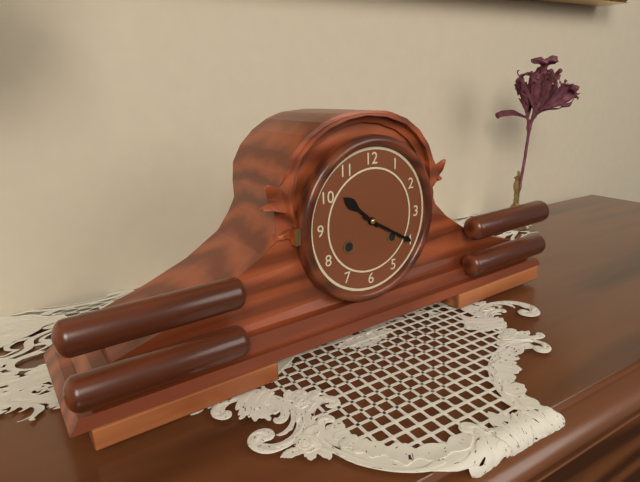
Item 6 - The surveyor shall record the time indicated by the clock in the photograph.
10:20
